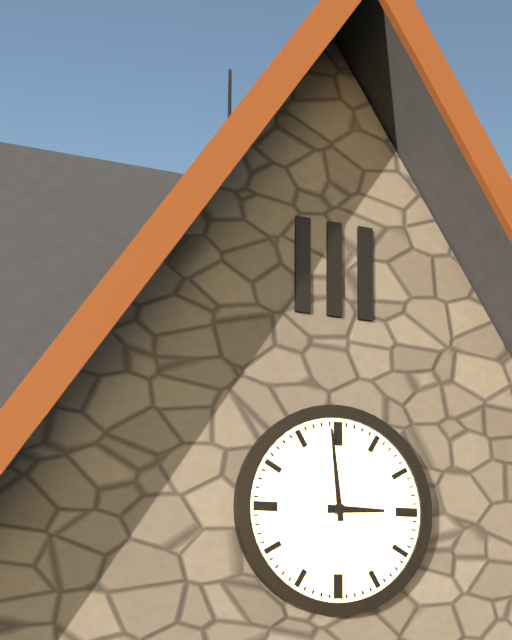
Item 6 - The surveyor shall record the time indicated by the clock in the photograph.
2:59
